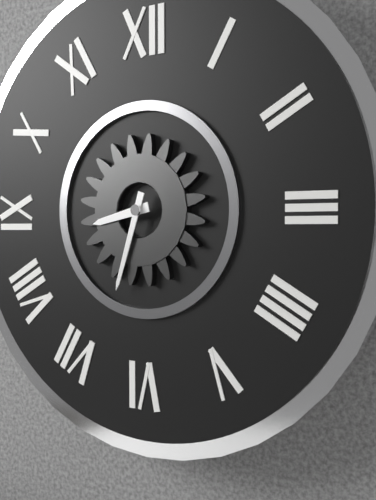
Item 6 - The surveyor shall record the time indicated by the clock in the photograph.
8:33
